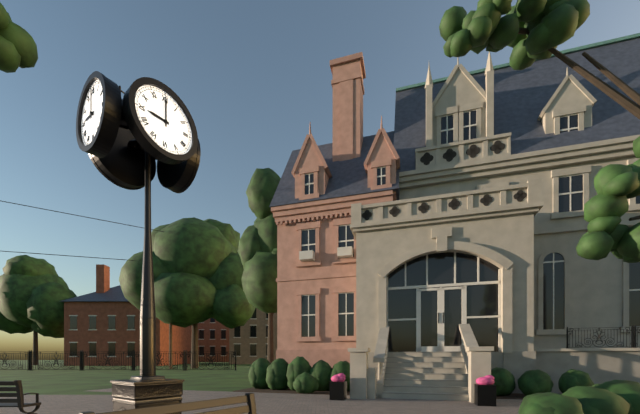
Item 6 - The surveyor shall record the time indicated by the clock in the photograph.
9:00
